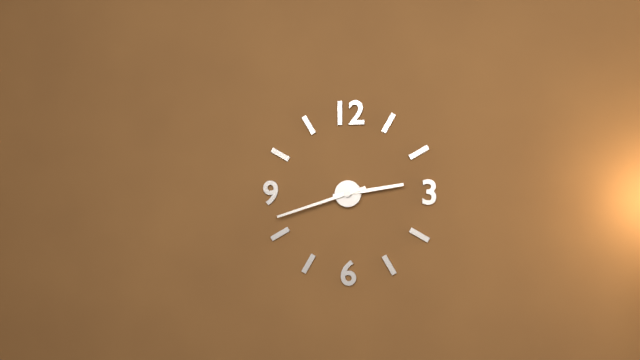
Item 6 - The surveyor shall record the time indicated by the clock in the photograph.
2:42
